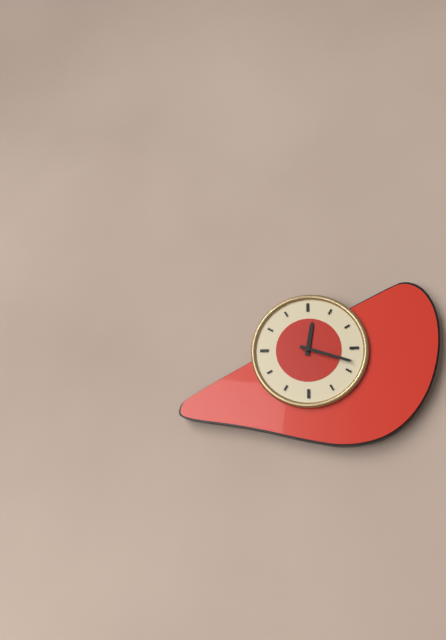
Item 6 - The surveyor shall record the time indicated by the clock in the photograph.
12:18
